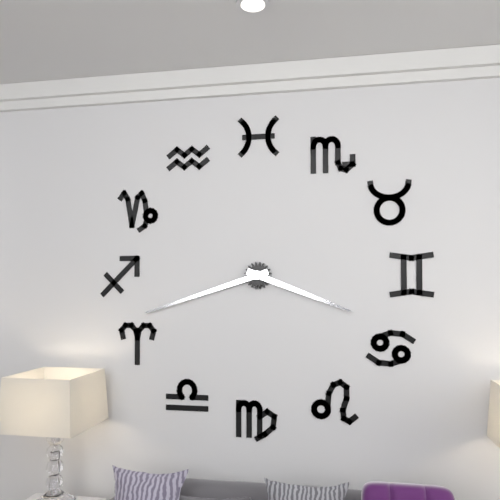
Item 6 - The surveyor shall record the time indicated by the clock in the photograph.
3:42
